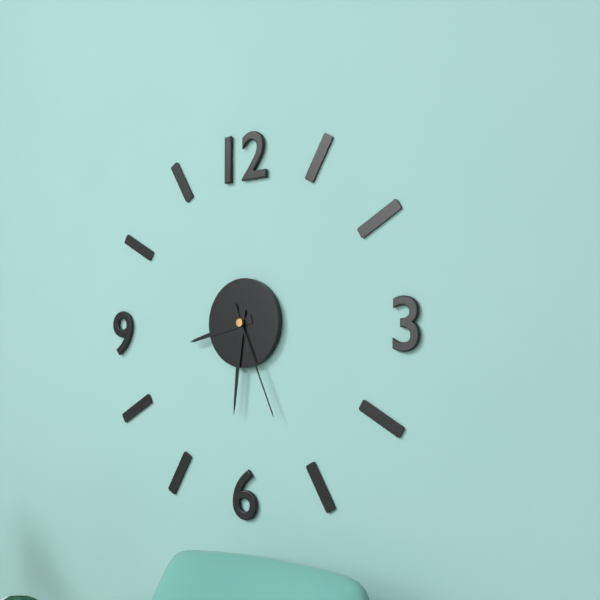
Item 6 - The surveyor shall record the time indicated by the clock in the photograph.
8:31:26
